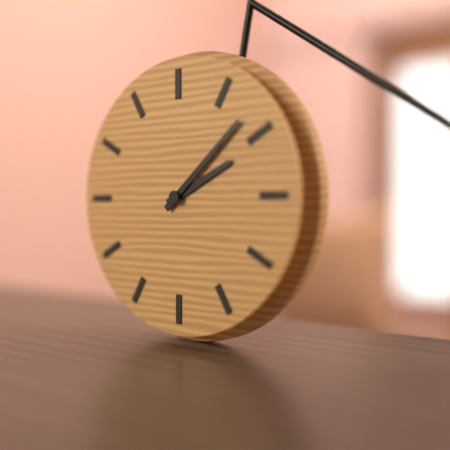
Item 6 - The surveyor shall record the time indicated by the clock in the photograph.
2:08
